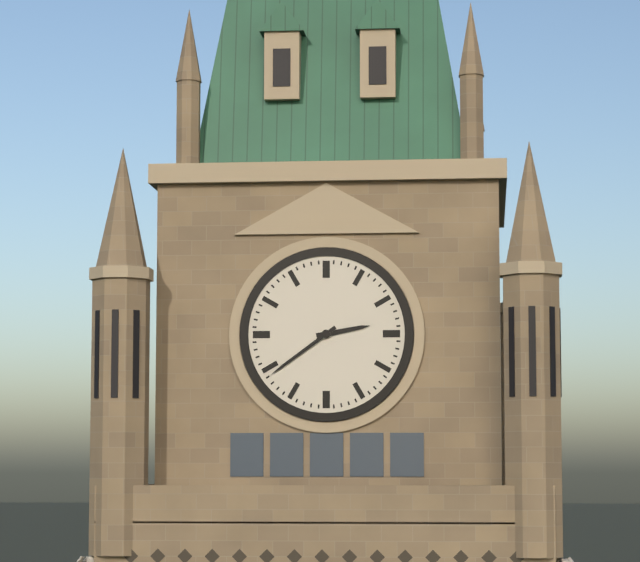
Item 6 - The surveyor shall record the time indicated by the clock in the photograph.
2:39
